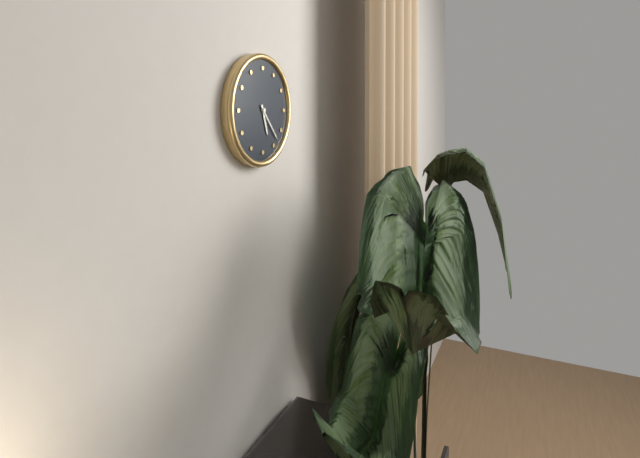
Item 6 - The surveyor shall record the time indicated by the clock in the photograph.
5:23
